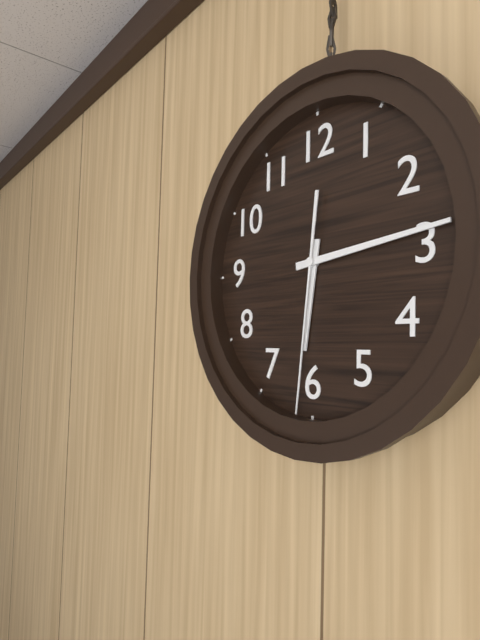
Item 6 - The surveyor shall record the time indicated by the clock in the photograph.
6:14:31
